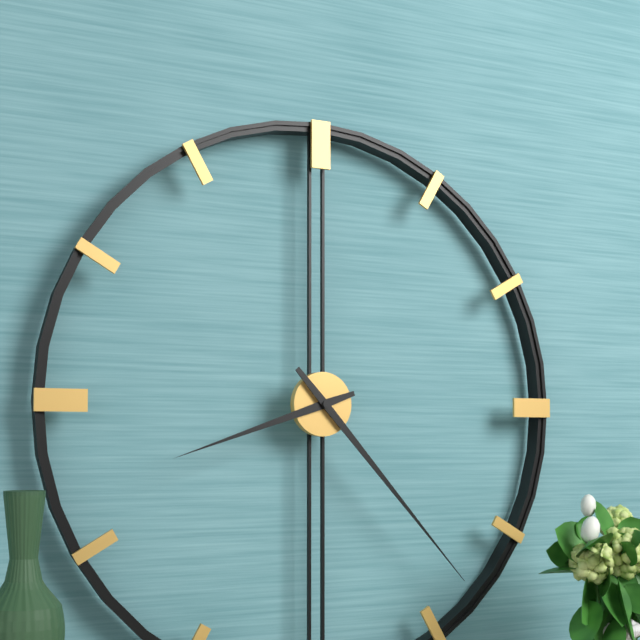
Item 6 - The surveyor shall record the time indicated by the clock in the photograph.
8:23
